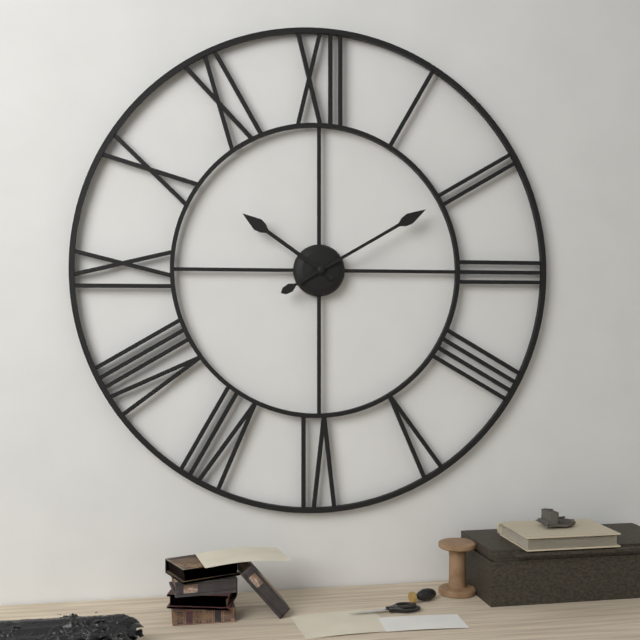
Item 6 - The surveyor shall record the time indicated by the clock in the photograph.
10:10
